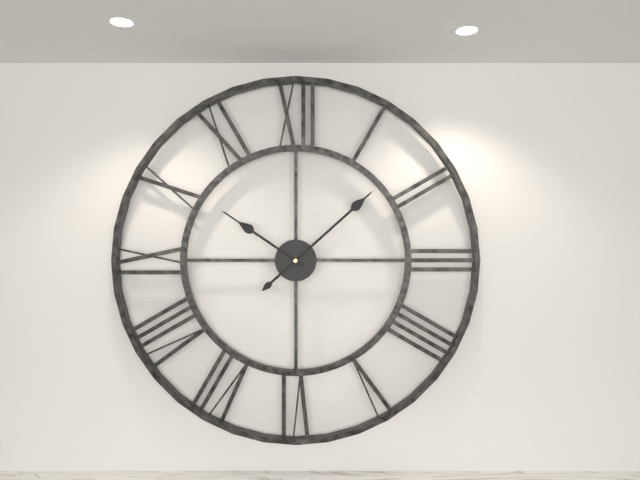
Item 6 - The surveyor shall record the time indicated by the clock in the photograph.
10:08
